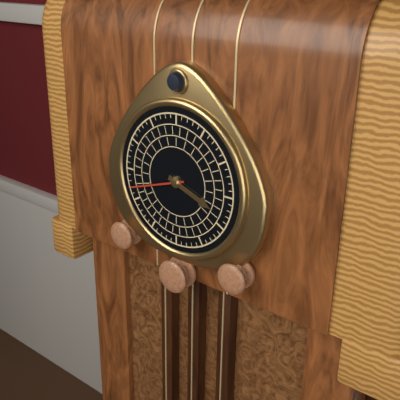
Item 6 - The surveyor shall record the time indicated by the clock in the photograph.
3:42
